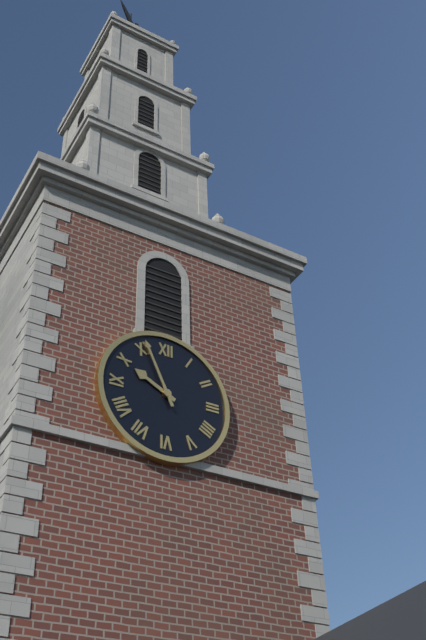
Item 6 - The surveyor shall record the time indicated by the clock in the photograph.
9:56
